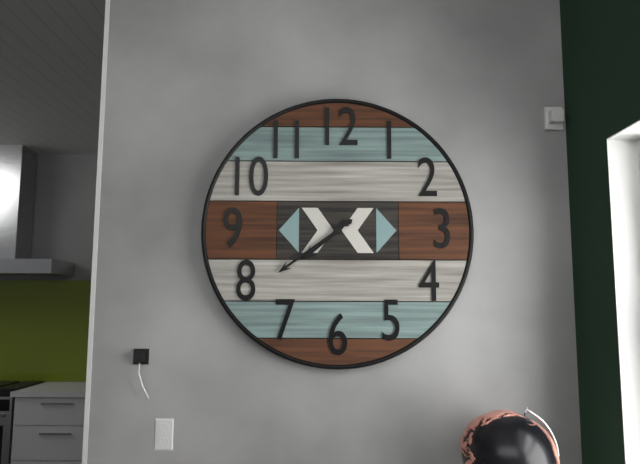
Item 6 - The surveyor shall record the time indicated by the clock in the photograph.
7:39
